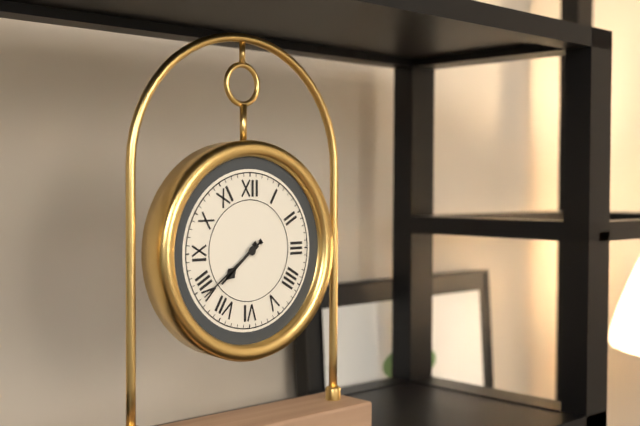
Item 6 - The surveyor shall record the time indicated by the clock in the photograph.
7:39
